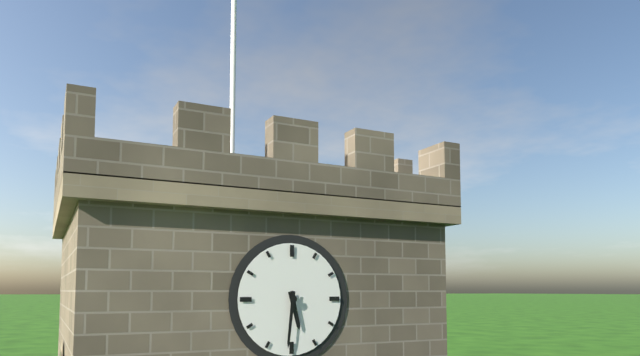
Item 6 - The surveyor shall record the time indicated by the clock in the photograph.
5:31
